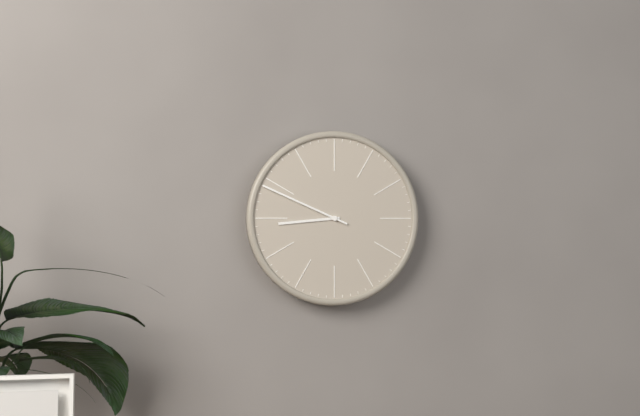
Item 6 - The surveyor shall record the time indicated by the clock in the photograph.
8:49
